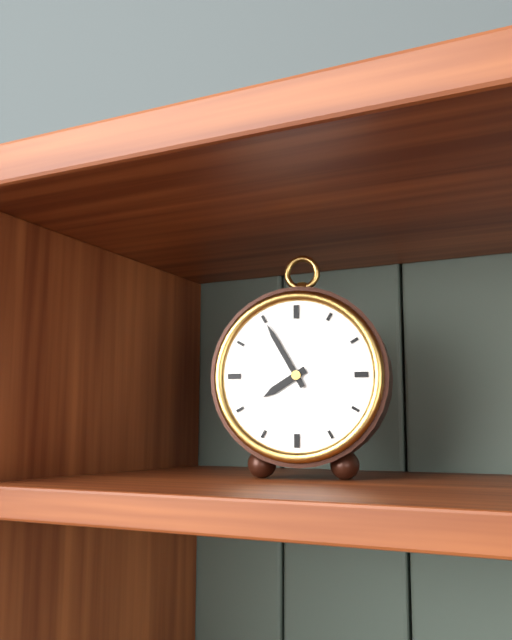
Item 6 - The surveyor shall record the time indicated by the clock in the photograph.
7:55
